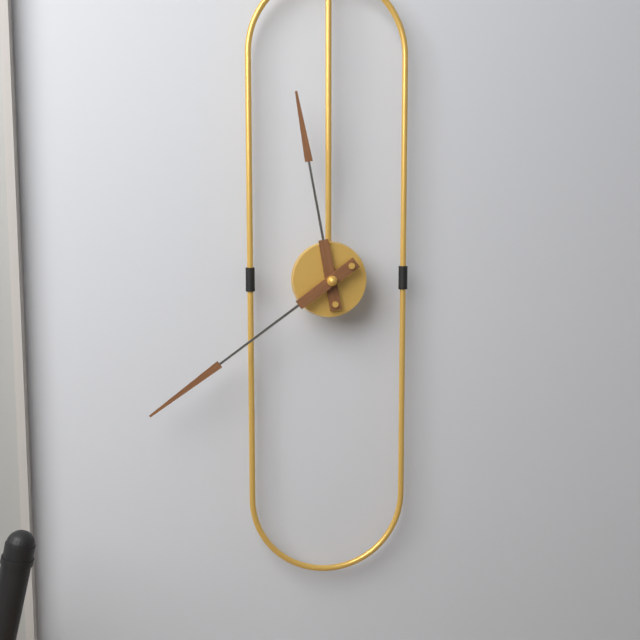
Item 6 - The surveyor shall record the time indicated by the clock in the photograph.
11:39
